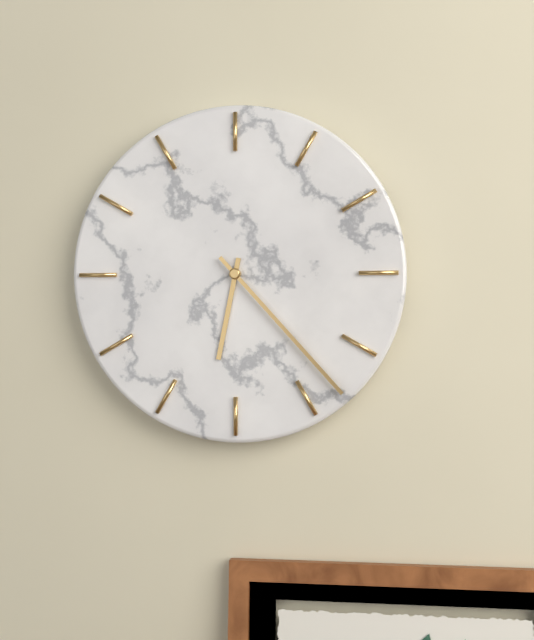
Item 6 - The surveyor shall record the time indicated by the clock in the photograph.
6:23
